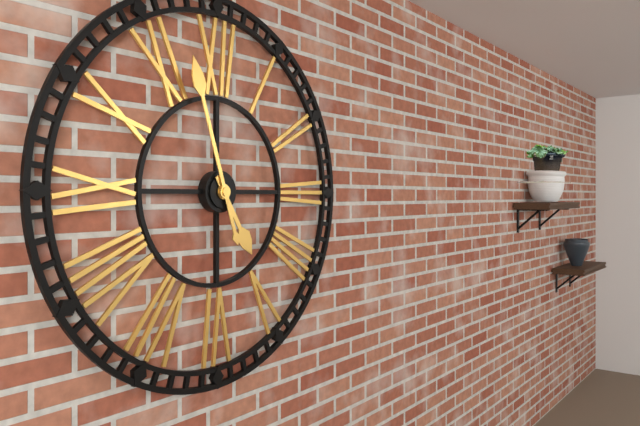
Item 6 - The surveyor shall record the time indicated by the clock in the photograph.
4:57
